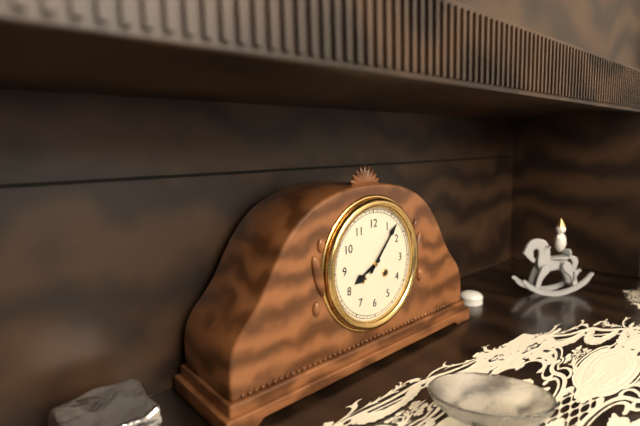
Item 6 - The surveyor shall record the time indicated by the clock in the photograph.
8:07
